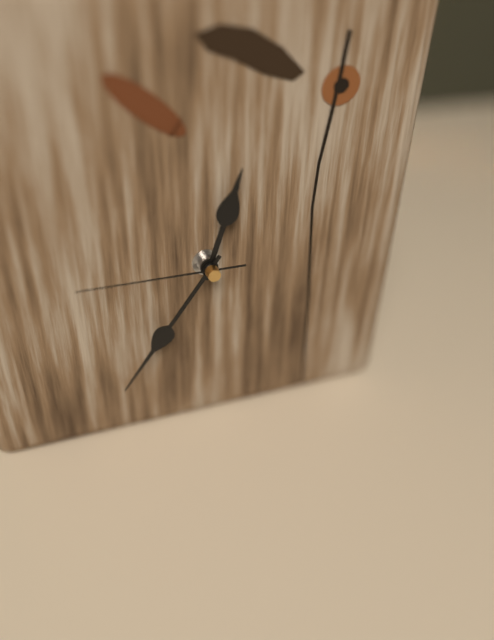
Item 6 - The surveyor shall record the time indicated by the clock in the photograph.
12:36:45
